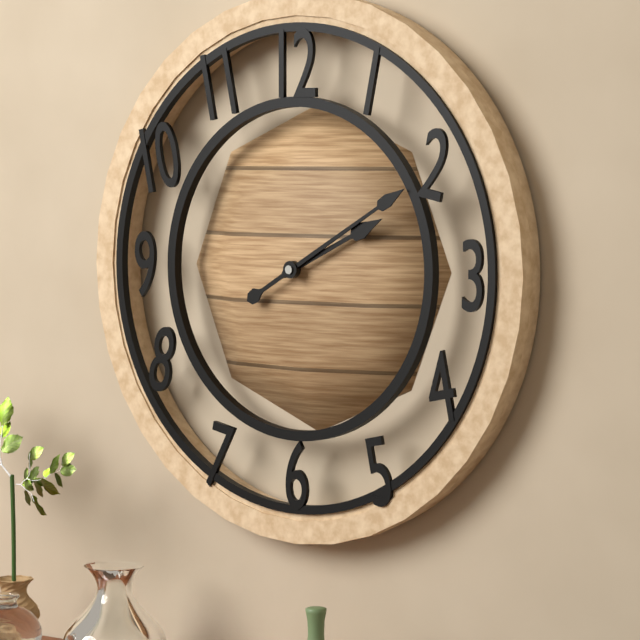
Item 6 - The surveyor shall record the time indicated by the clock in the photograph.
2:10
